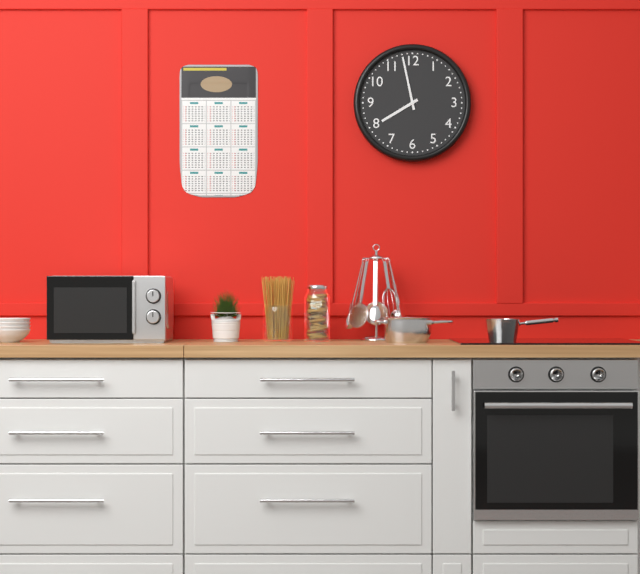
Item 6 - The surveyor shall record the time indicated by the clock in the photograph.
7:58
